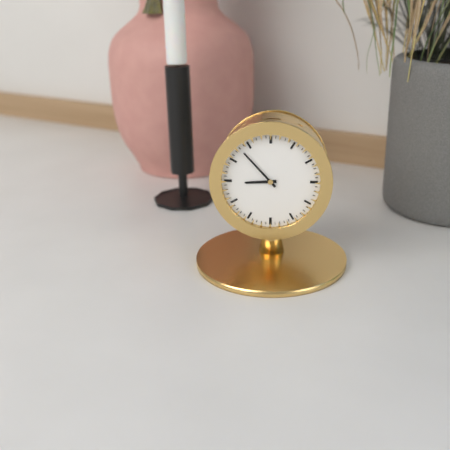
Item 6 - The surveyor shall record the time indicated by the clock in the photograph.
8:53
